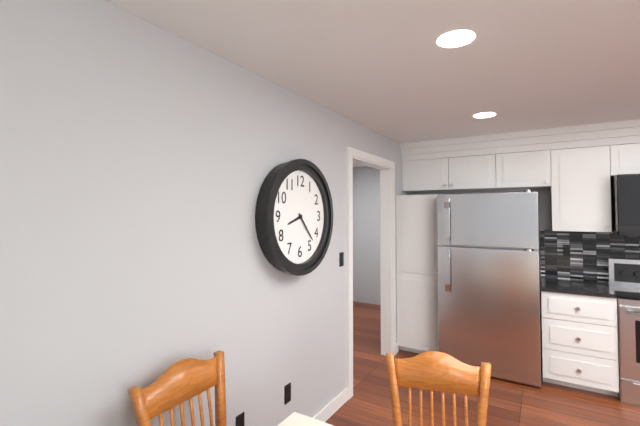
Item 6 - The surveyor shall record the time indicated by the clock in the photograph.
8:23
